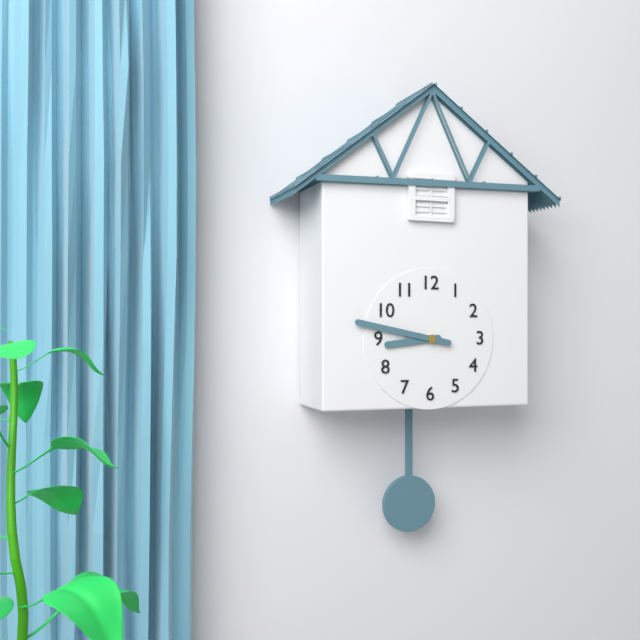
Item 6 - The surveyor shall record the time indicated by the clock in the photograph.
8:47
